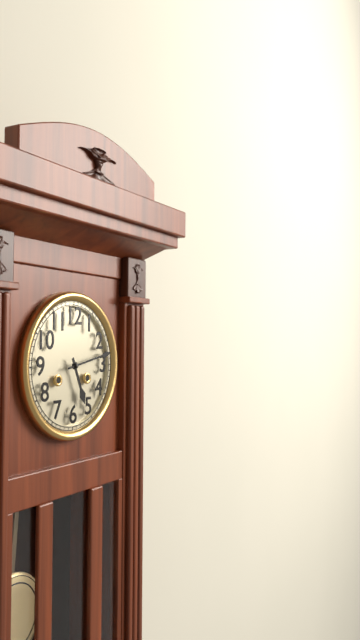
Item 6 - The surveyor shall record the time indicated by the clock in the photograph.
5:13
